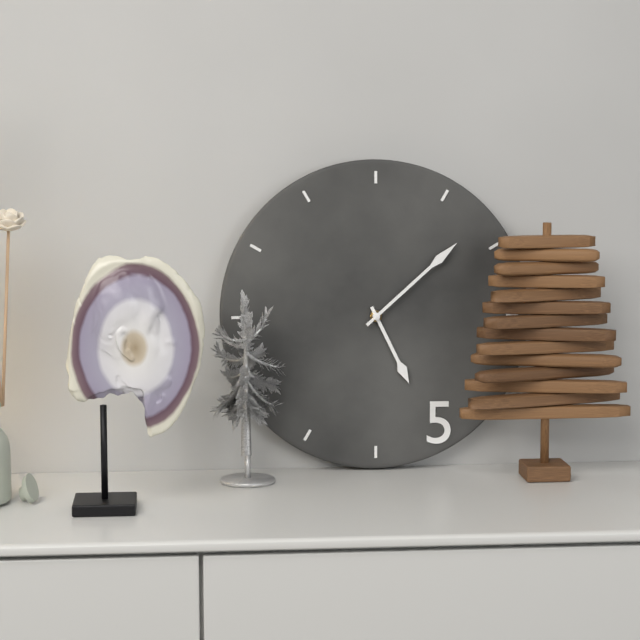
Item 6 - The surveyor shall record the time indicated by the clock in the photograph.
5:08
